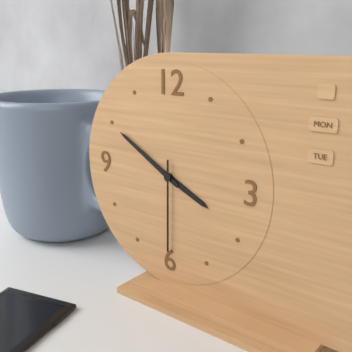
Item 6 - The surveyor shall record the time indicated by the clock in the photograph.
3:50:30
